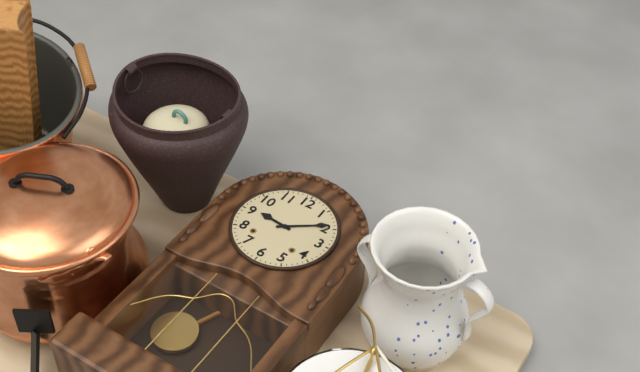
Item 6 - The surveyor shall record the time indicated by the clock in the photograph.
9:09
